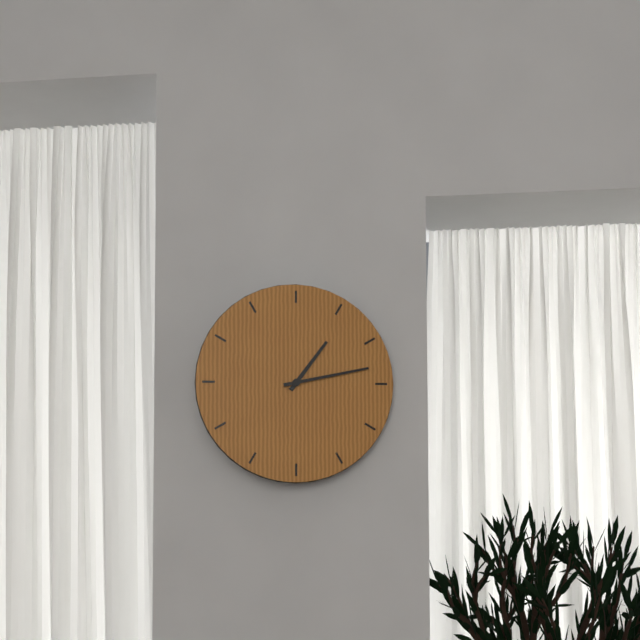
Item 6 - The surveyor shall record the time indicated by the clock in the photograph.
1:13
